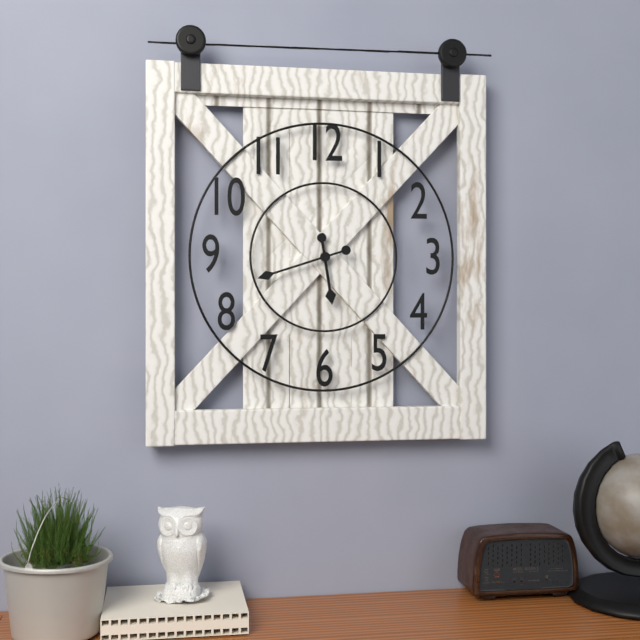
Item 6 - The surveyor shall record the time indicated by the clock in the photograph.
5:42
